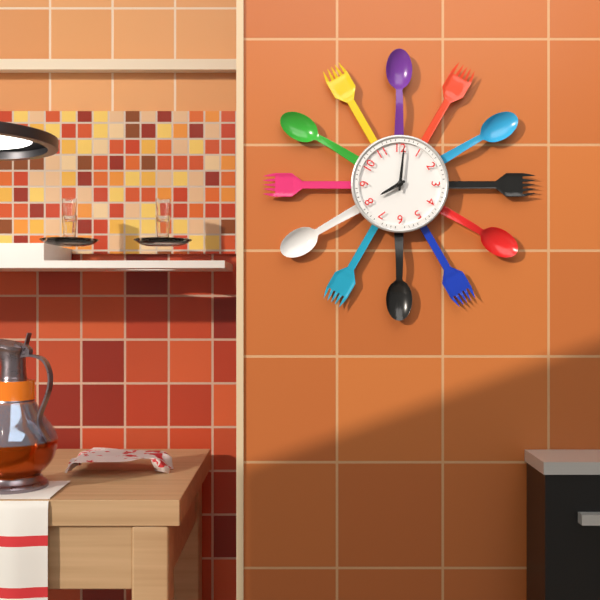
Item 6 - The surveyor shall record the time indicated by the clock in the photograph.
8:01
